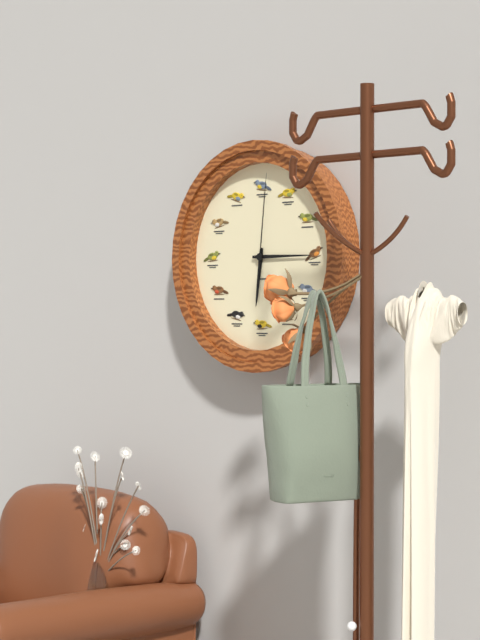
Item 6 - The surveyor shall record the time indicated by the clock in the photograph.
6:15:01
